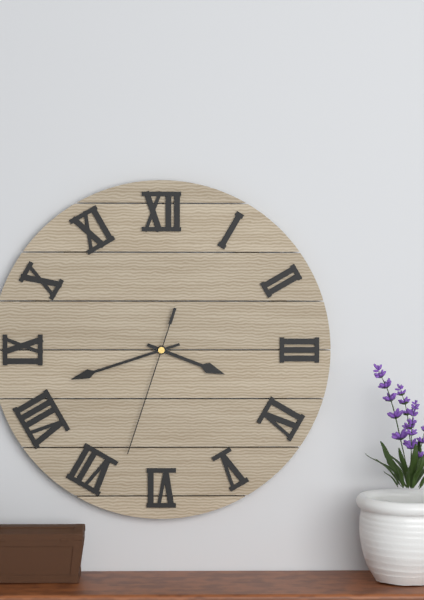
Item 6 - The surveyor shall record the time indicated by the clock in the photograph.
3:42:33
